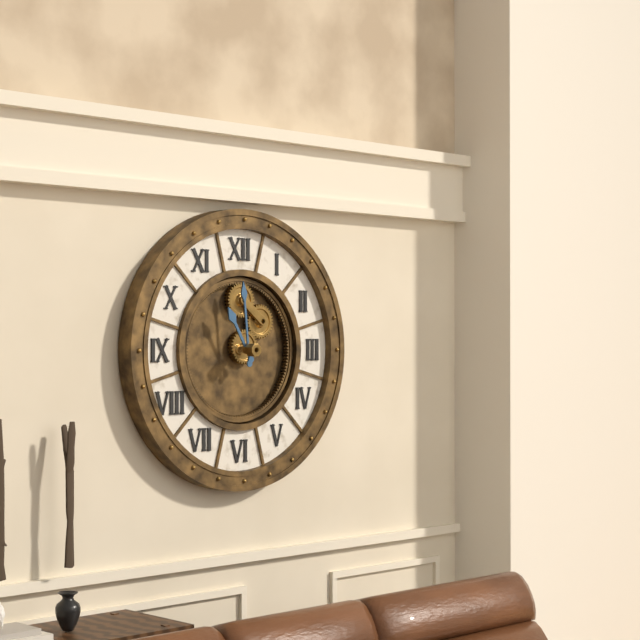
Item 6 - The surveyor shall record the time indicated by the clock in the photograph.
10:59
